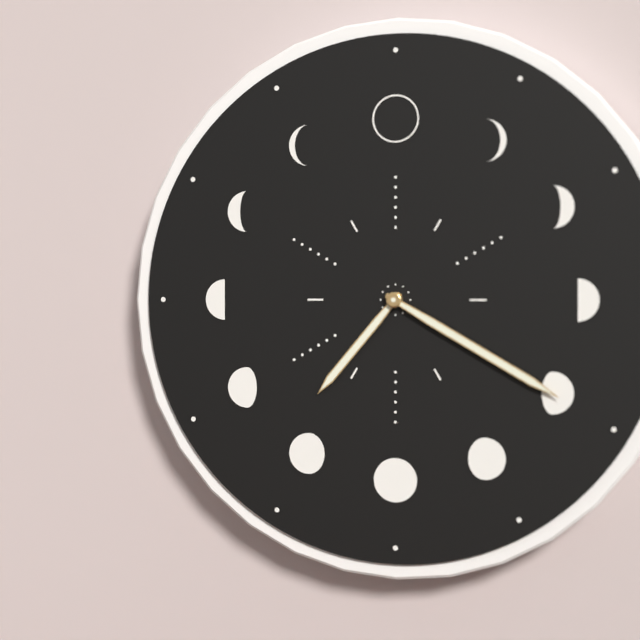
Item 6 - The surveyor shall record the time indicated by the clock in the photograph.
7:20
